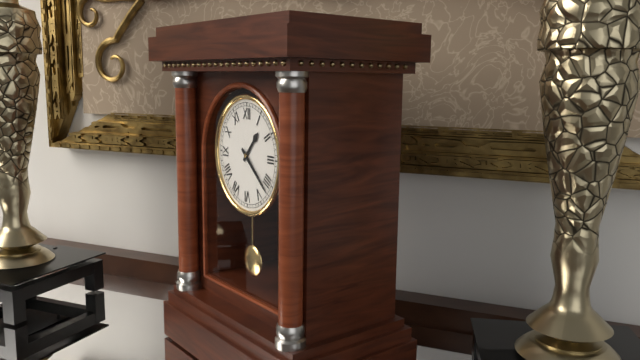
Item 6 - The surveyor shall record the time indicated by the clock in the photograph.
1:22
